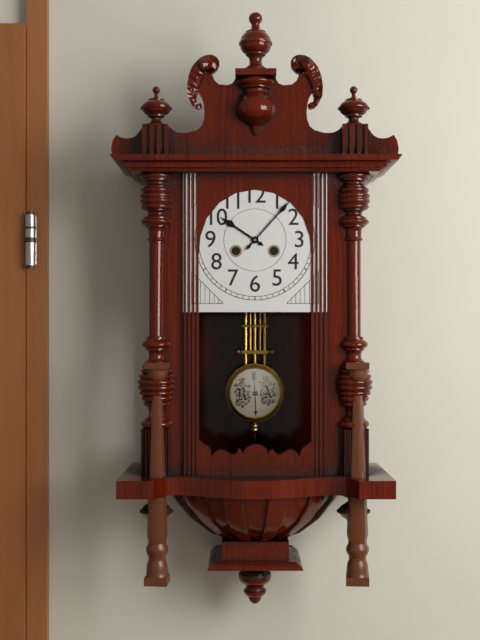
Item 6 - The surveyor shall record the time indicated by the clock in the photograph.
10:07
